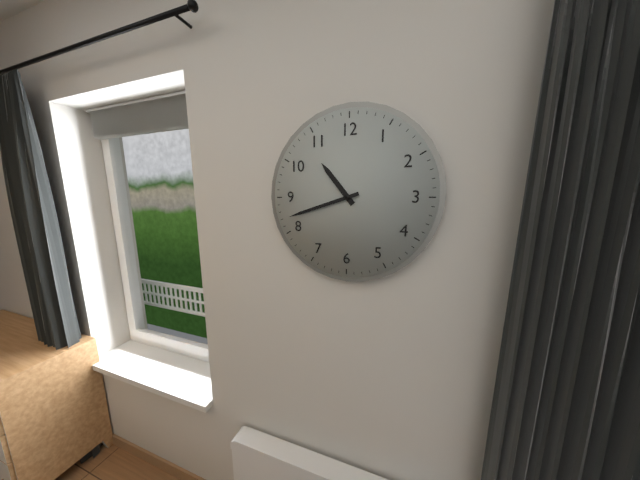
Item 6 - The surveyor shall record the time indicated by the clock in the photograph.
10:42
